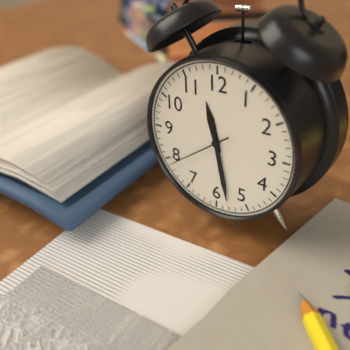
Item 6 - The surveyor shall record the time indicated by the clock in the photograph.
11:28:39
